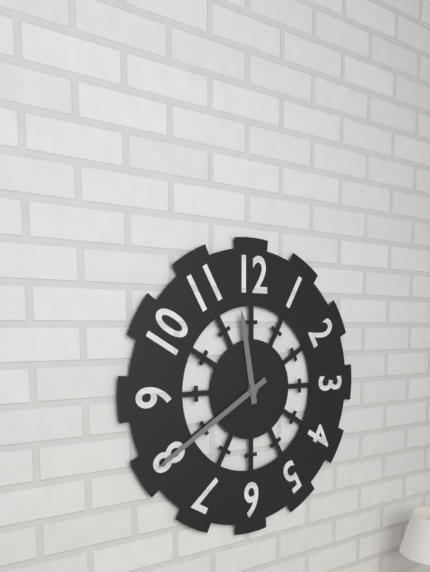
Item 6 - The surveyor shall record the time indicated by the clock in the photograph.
11:40
